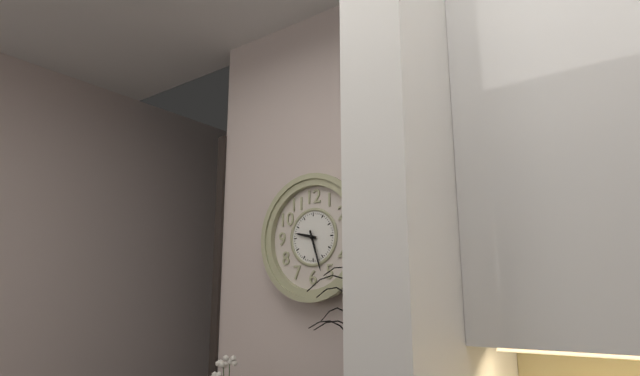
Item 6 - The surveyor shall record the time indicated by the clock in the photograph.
9:27
